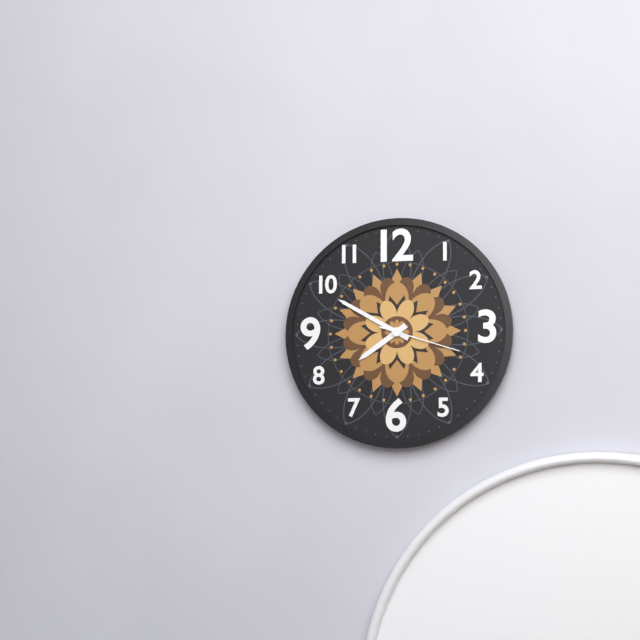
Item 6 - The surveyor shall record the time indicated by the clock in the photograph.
7:50:18
